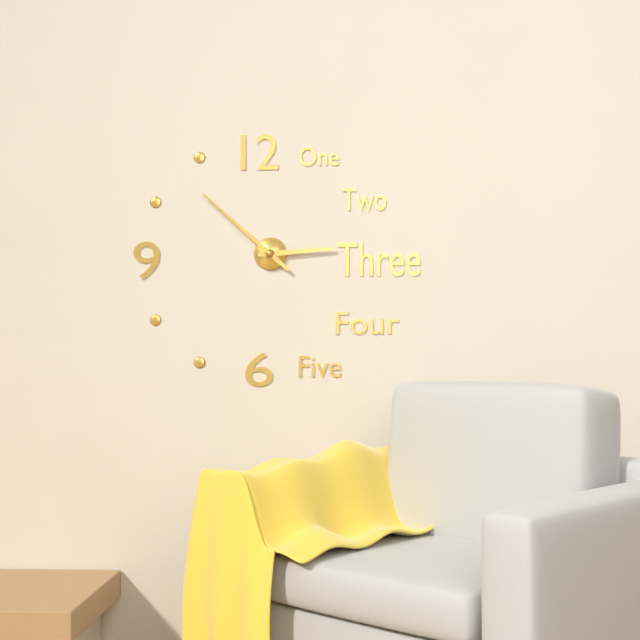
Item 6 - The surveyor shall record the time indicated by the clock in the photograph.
2:52
